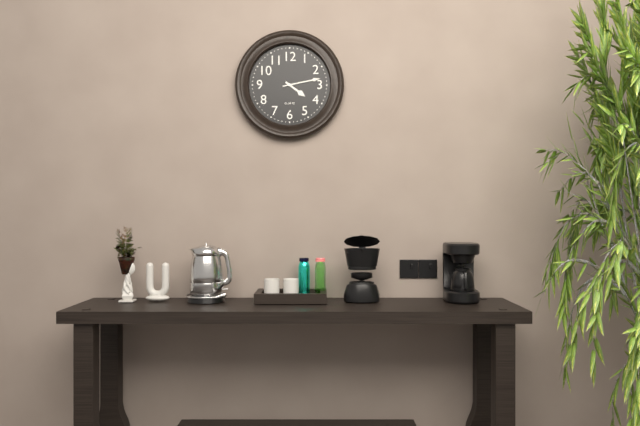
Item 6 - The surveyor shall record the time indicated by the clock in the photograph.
4:13
